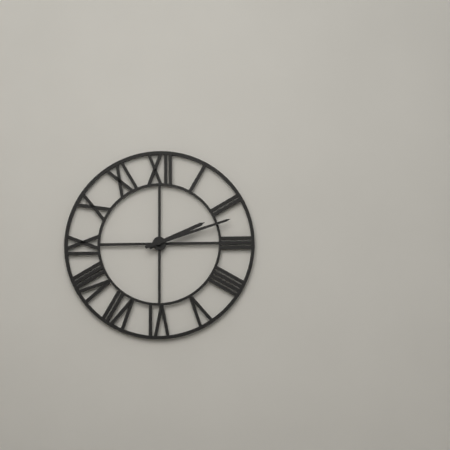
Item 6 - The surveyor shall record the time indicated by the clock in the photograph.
2:12
